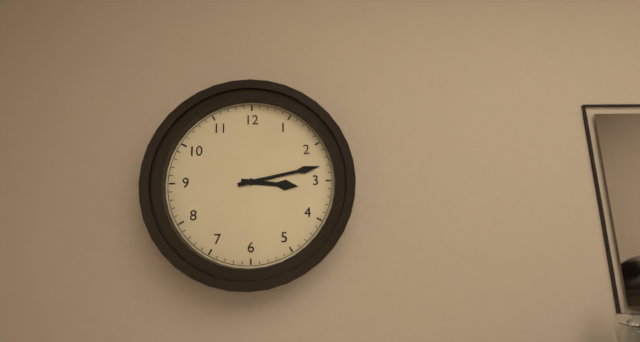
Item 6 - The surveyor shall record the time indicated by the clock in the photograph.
3:13
